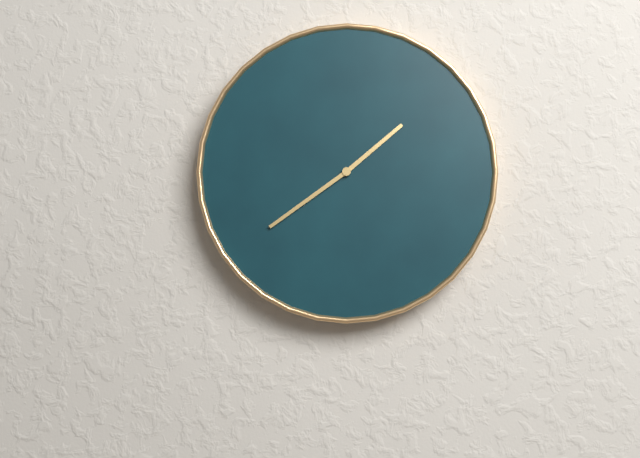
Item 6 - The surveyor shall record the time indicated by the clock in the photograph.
1:39
